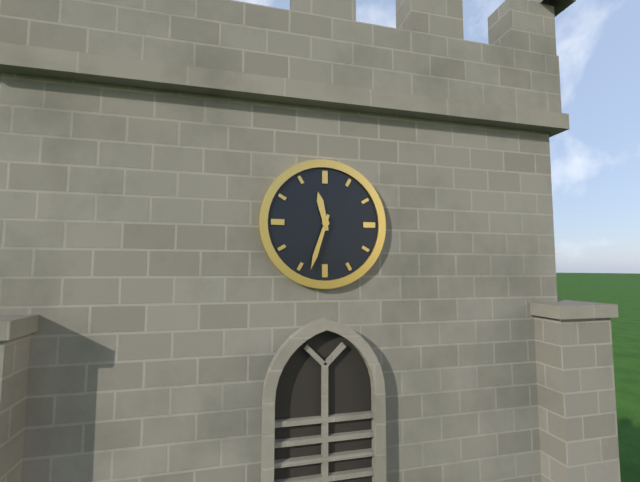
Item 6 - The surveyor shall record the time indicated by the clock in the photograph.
11:33
